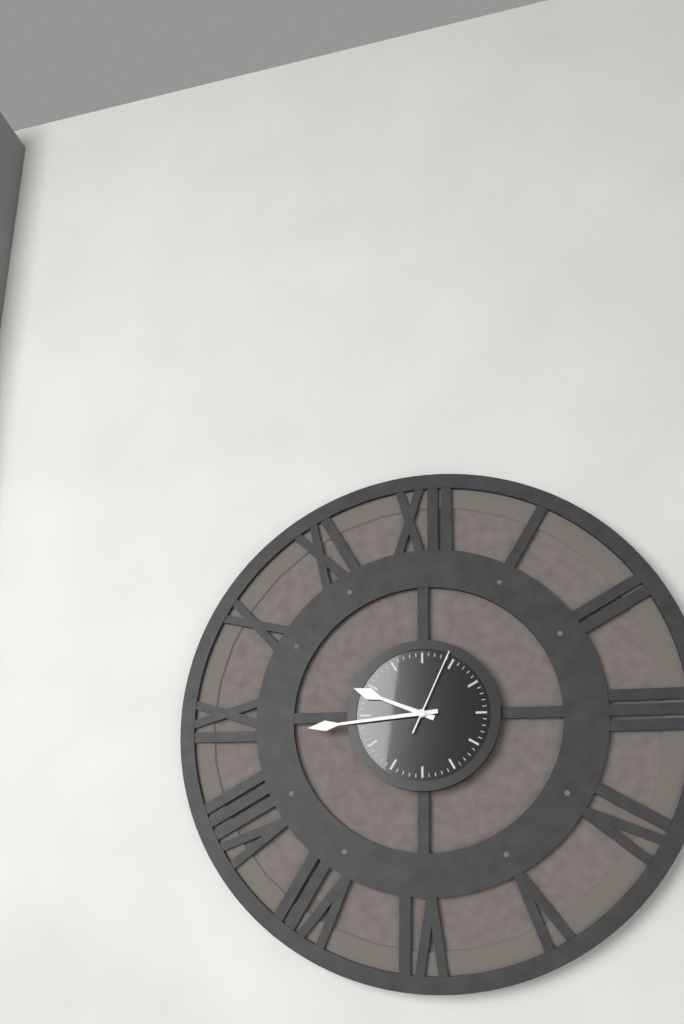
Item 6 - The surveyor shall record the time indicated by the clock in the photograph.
9:44:04
